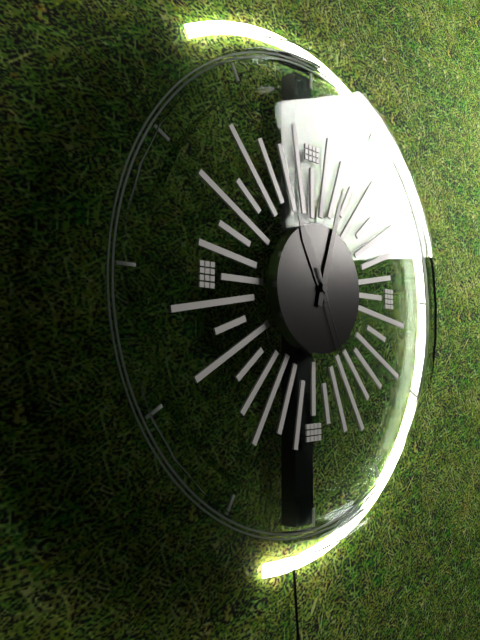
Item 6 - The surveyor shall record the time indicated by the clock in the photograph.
11:03:26
